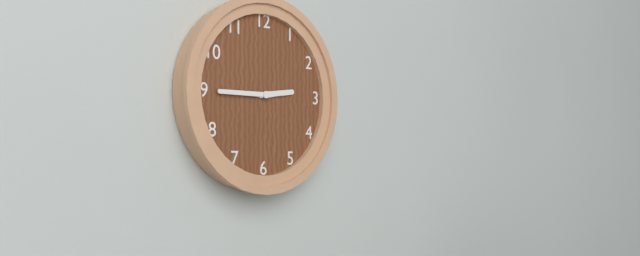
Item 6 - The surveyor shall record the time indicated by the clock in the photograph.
2:45
